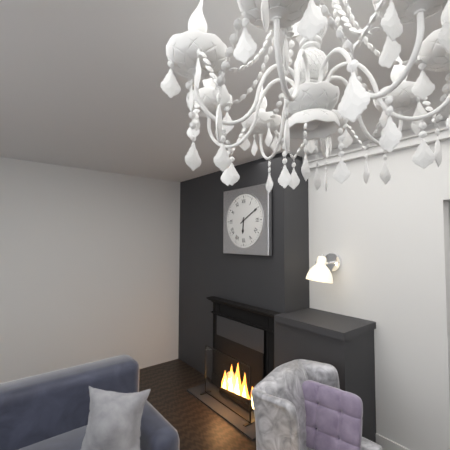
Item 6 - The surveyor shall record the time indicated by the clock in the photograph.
6:10
